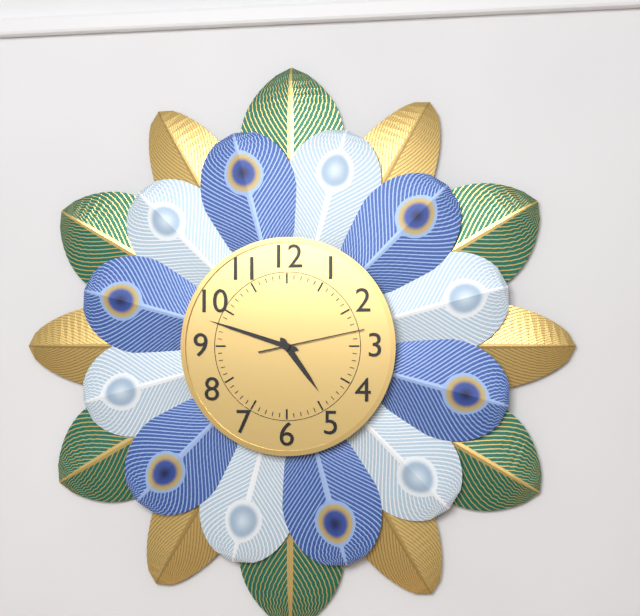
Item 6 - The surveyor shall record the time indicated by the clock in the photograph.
4:48:13
